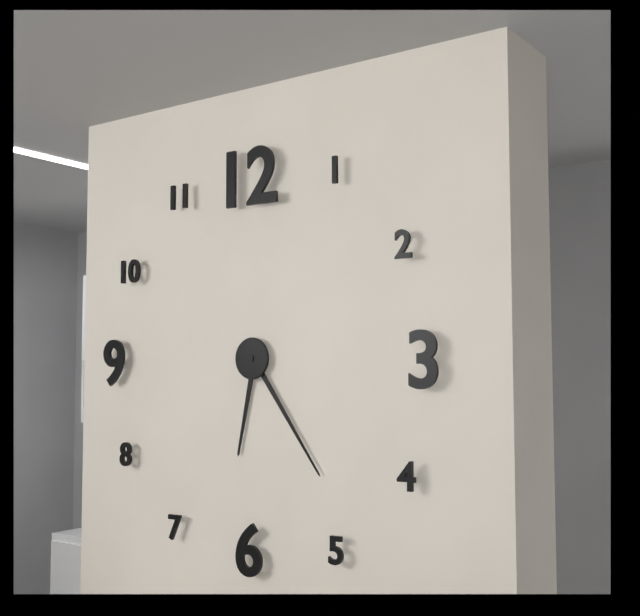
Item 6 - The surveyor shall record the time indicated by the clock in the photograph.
6:24
